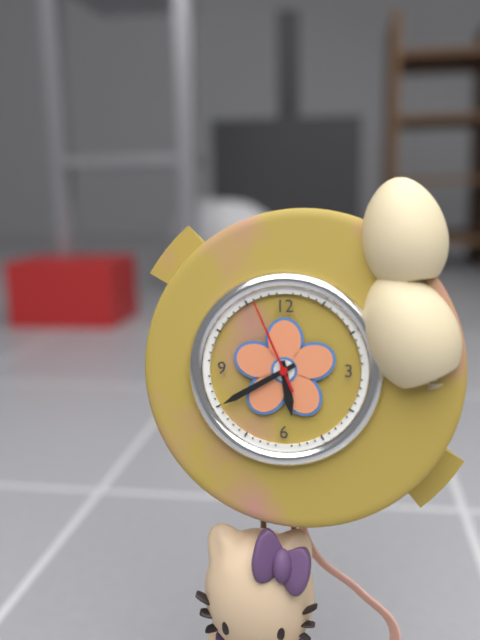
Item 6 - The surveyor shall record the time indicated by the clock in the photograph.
5:40:56
